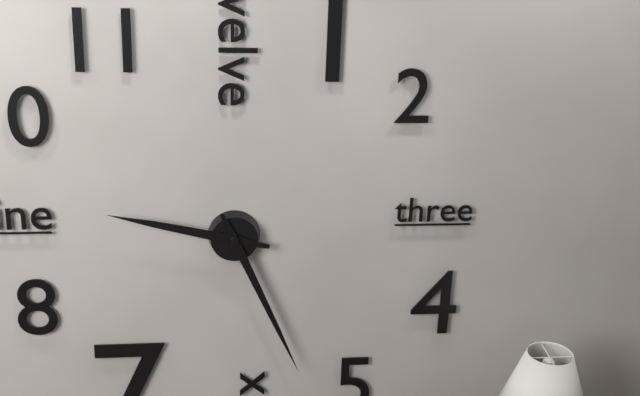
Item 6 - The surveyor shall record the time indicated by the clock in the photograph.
9:26
